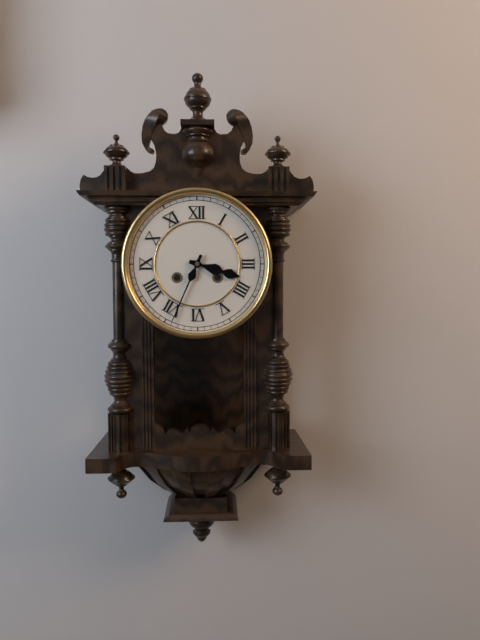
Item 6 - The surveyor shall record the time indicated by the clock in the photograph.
3:34
